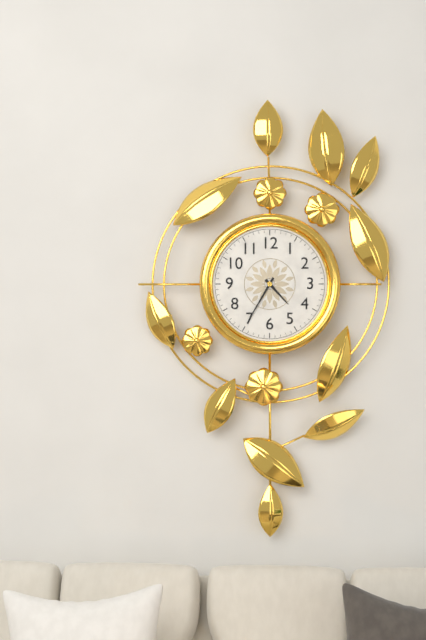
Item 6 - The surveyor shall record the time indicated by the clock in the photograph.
4:35
